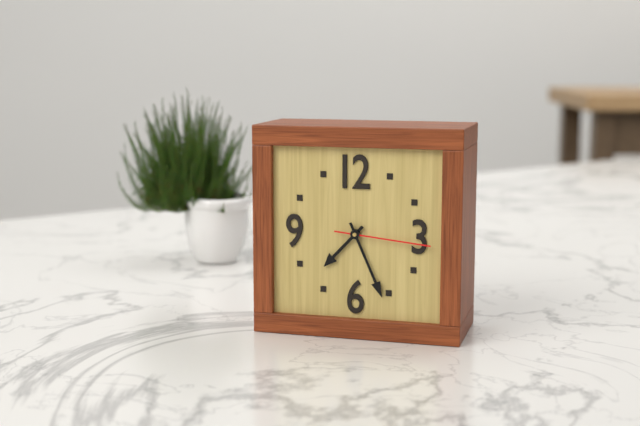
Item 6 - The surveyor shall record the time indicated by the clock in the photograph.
7:26:16
